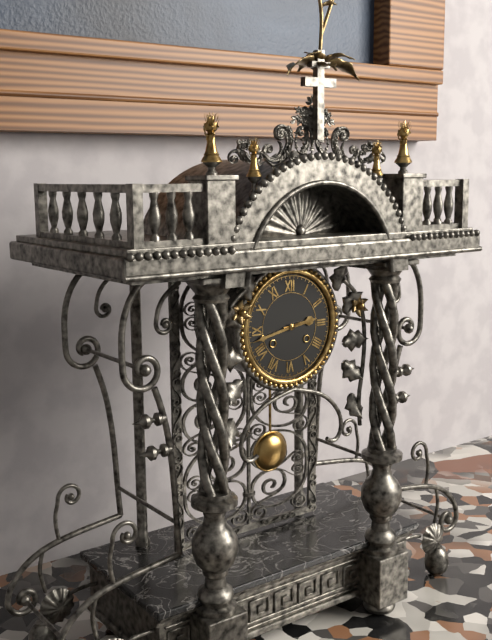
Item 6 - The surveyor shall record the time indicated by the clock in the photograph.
2:43
